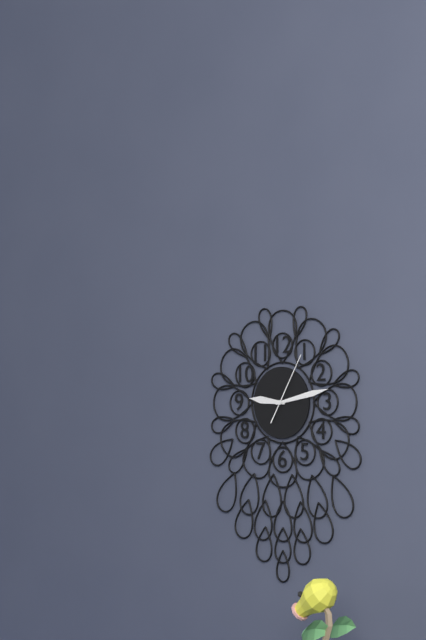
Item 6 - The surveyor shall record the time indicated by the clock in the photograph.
9:13:05
